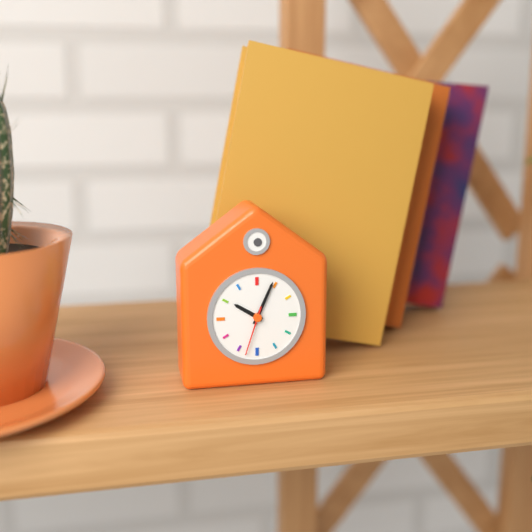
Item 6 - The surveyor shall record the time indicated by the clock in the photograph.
10:04:33
